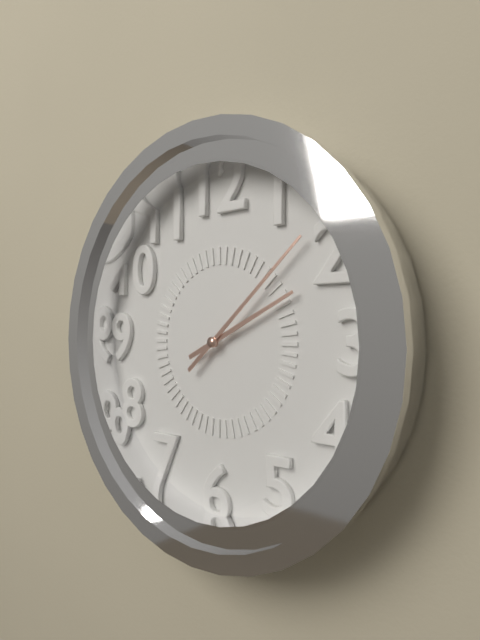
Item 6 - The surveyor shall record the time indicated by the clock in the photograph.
2:08
